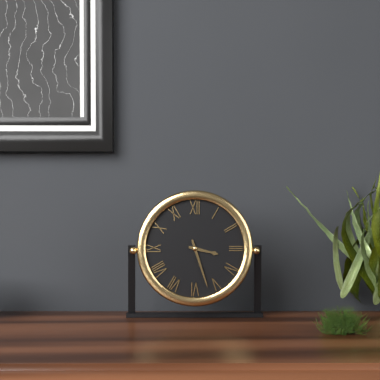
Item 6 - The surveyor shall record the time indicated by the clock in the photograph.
3:27
